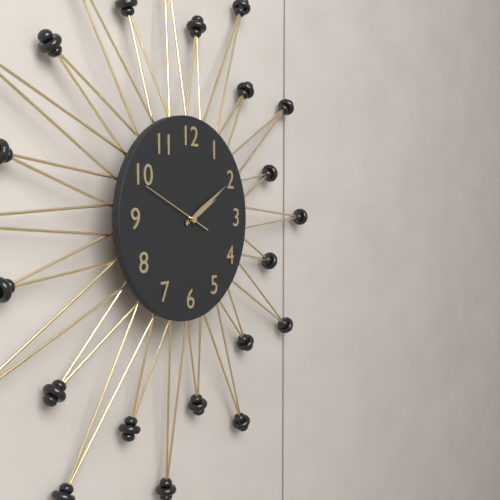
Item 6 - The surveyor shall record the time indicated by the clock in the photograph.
2:10:49
